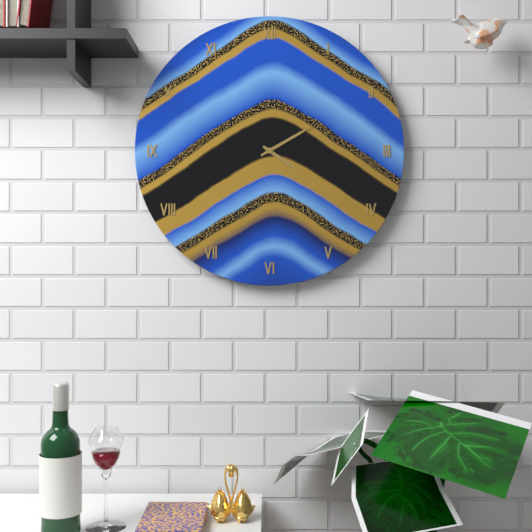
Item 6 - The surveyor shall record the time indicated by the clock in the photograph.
4:10
